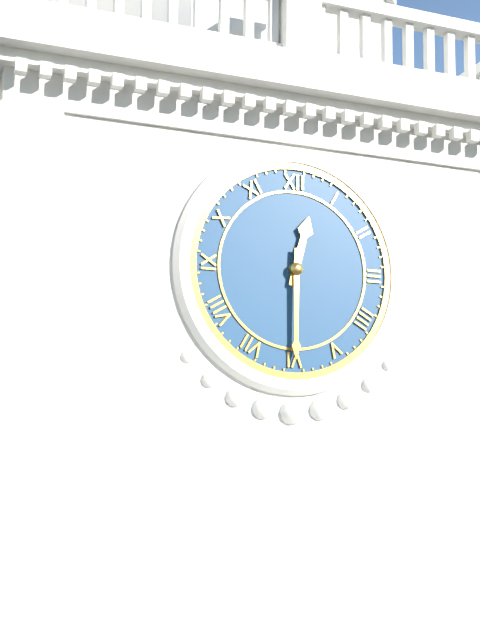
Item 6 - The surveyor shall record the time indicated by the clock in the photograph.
12:30
